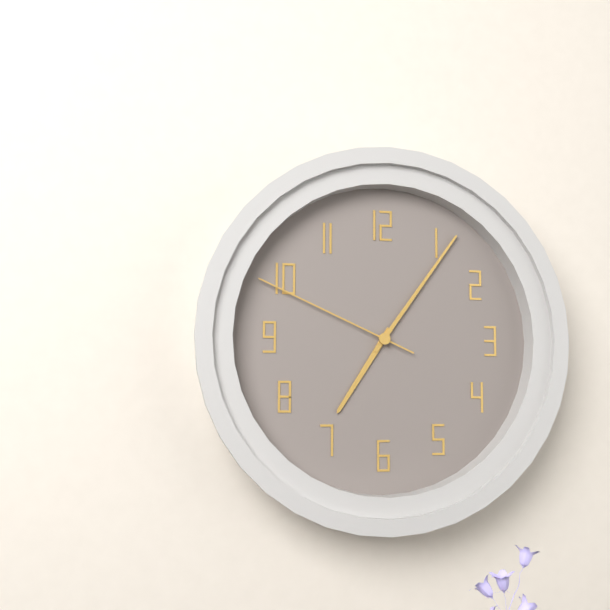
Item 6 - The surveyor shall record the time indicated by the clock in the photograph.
7:06:49
